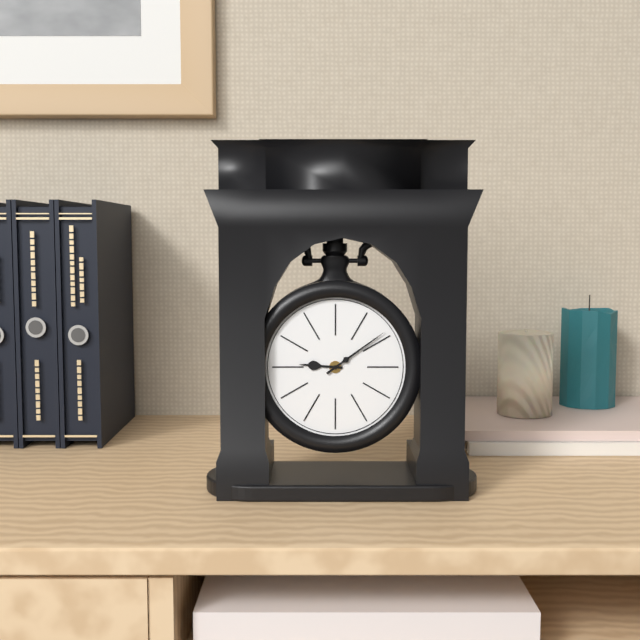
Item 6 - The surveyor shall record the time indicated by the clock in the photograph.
9:09
